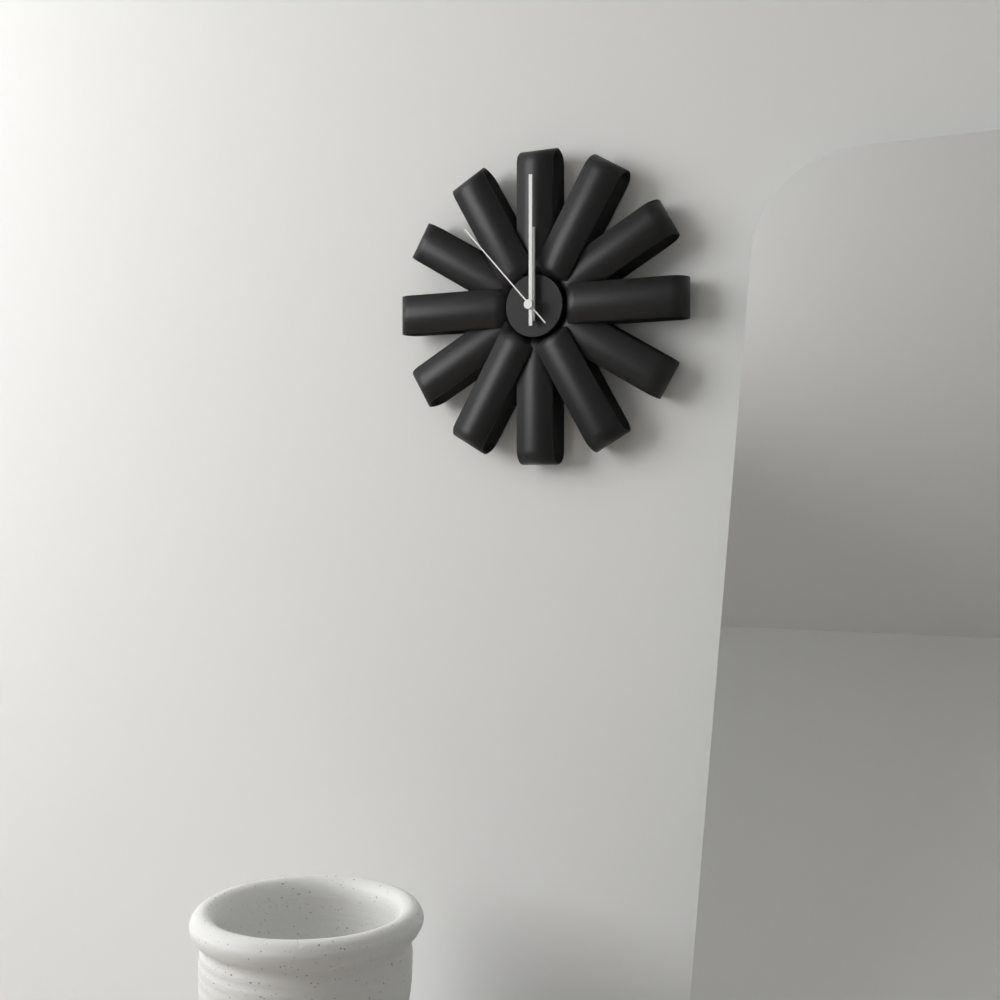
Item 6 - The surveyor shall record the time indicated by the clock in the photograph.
12:00:53
